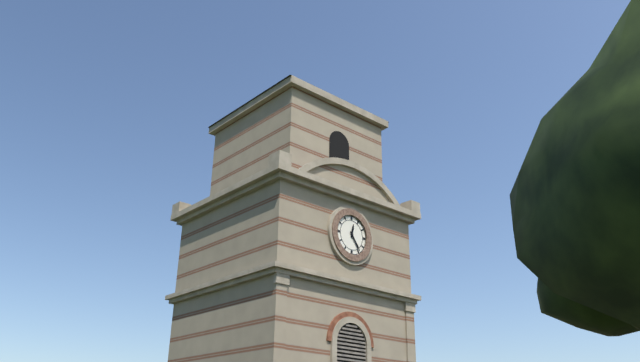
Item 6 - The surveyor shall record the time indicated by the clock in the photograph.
12:24
